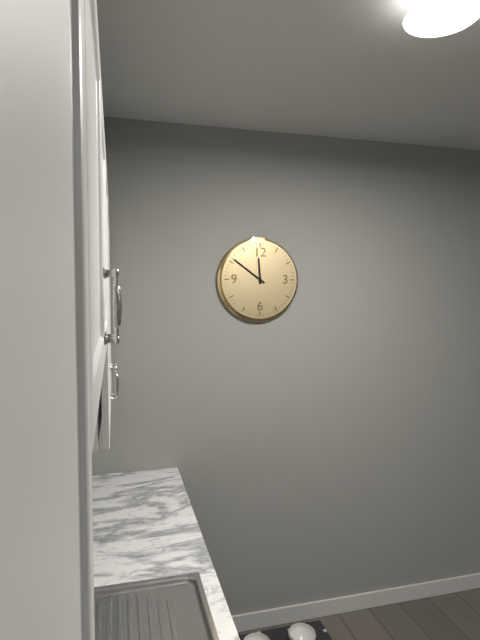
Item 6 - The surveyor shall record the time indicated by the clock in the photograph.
11:51
